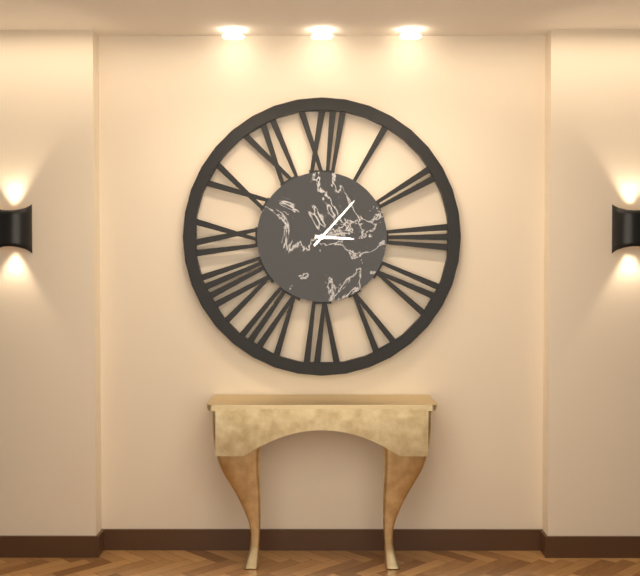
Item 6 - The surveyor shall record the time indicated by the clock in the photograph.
3:07
